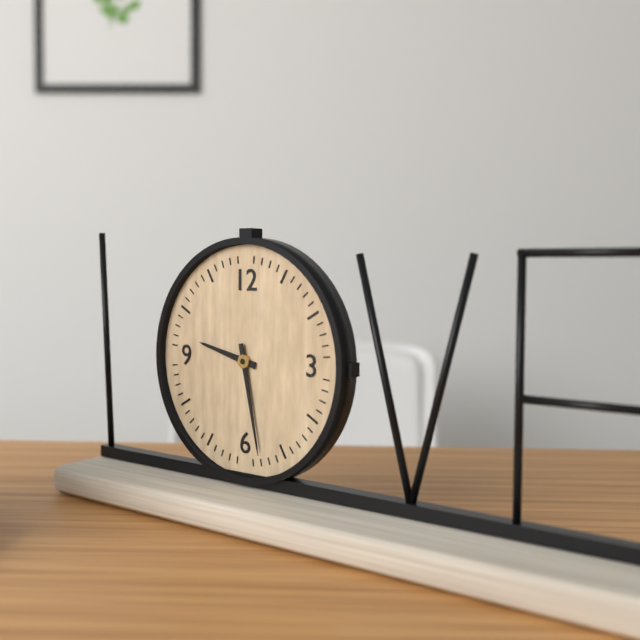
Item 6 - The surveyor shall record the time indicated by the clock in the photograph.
9:28
